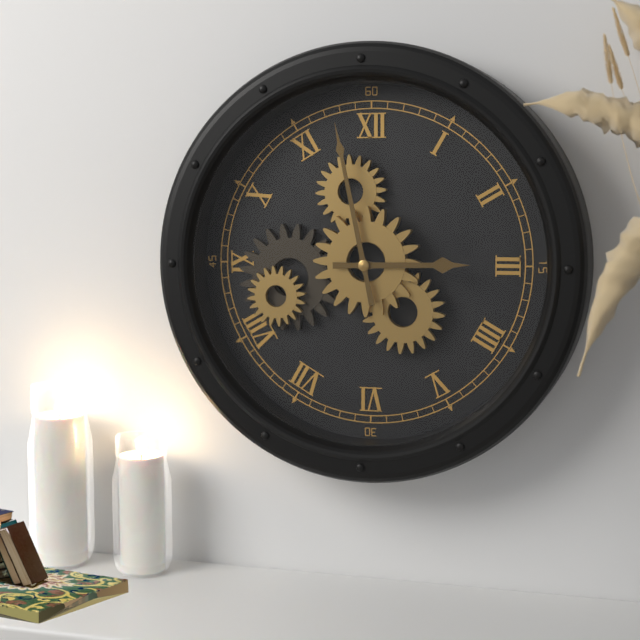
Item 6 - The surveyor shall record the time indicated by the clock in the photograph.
2:58
